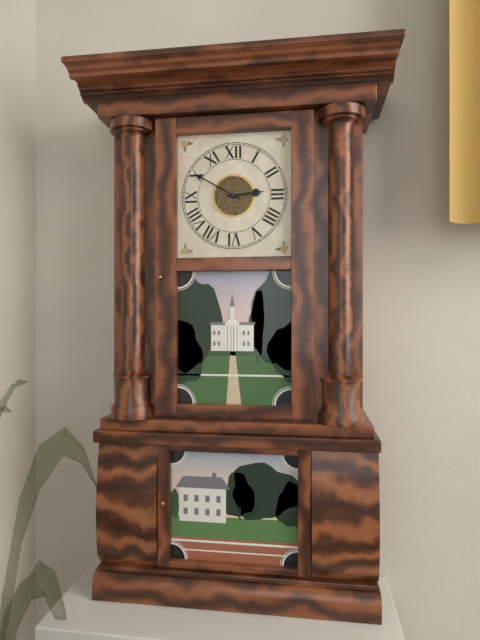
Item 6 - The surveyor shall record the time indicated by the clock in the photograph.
2:50
